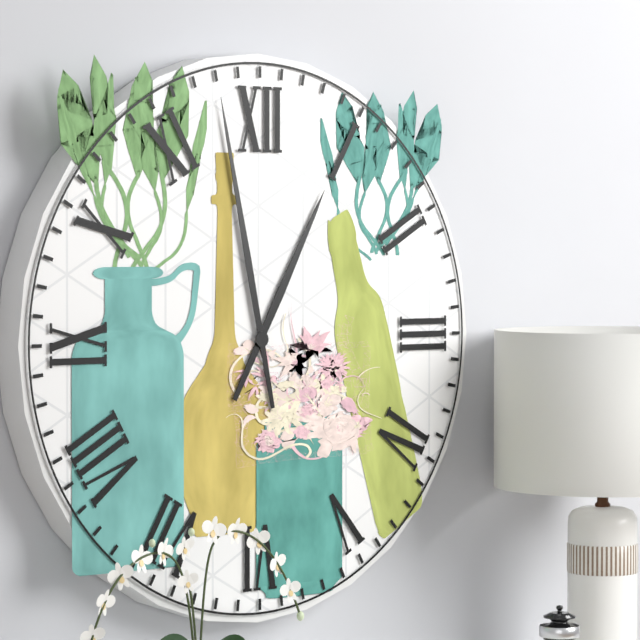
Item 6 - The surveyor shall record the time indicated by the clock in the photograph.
12:58
